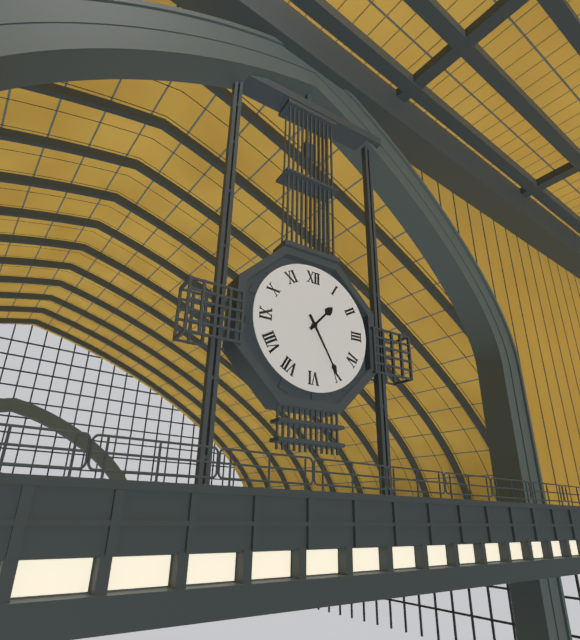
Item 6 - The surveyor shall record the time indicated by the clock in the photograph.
1:25
